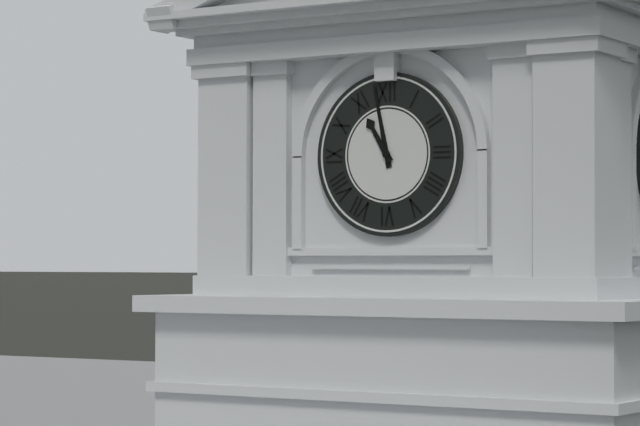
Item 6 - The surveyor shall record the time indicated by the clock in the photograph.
10:58
